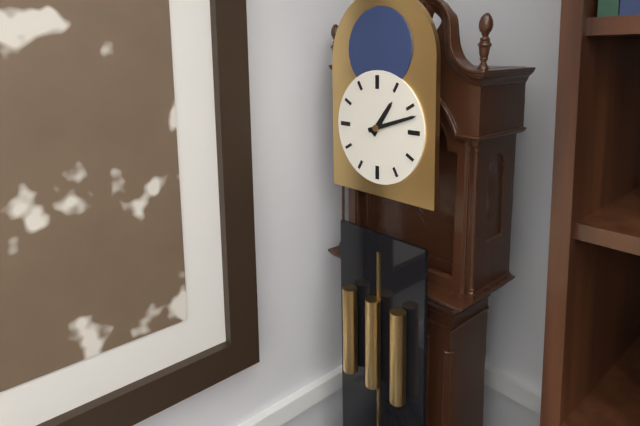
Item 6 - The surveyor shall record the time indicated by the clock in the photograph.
1:12
